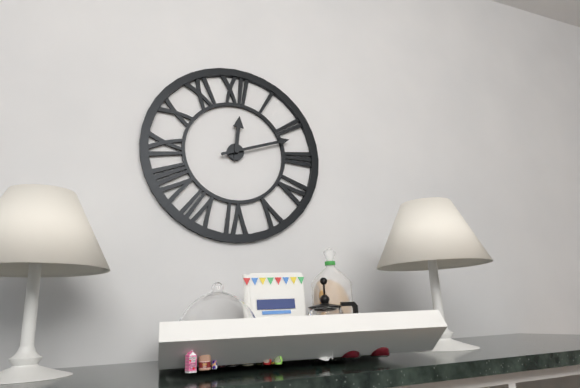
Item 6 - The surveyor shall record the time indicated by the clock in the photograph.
12:12
